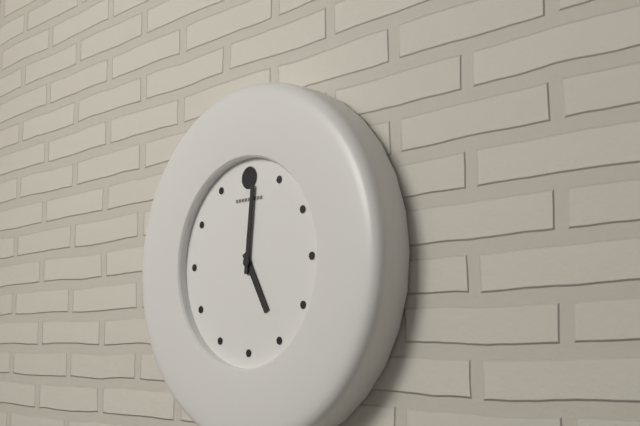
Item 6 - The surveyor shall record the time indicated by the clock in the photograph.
5:01
